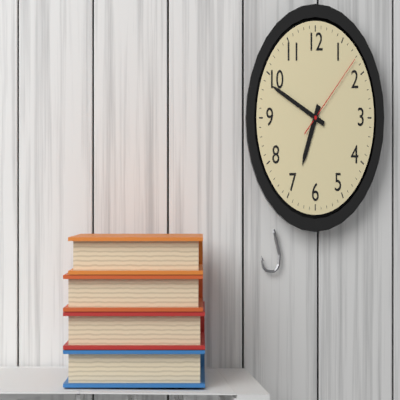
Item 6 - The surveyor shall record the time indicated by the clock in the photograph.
6:49:08
